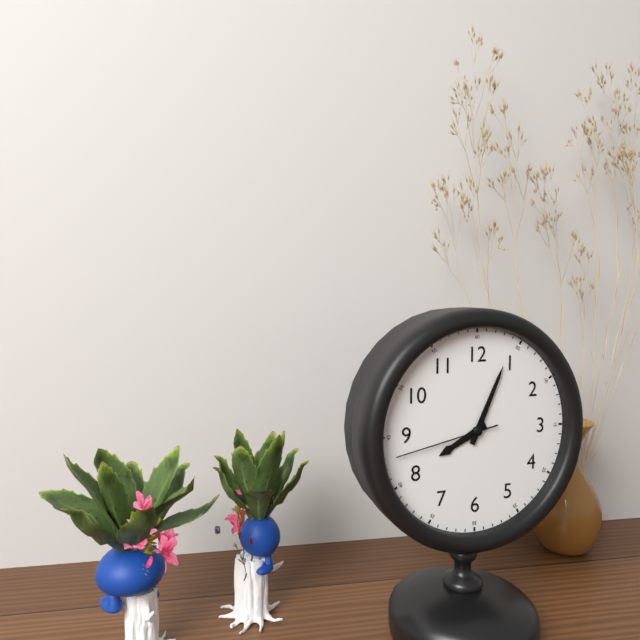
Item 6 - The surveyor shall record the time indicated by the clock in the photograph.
8:04:43
